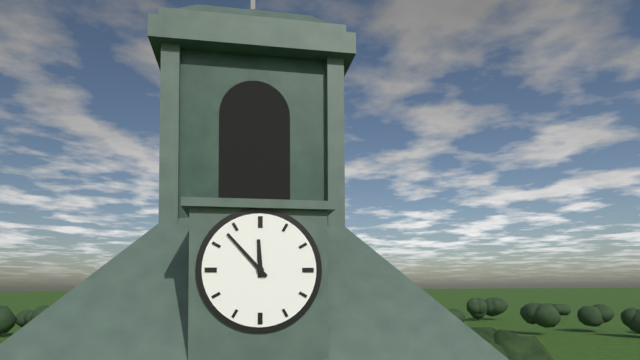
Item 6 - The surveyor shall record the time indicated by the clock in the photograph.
11:53
